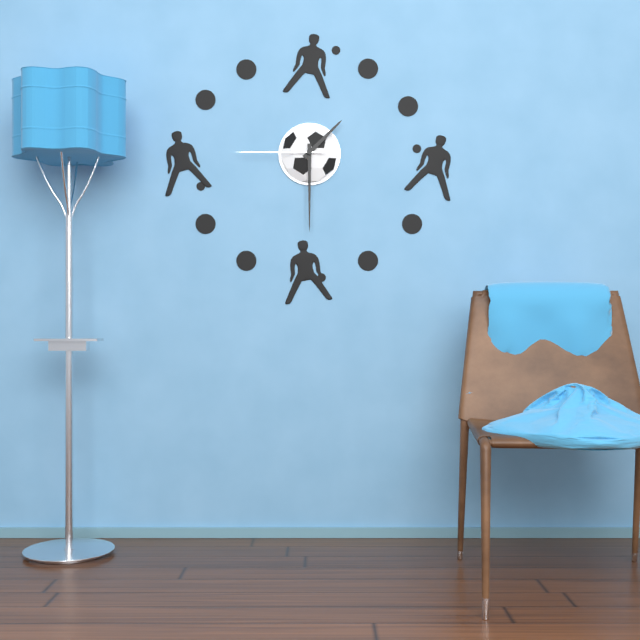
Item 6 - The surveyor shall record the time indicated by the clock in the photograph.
1:30:45
